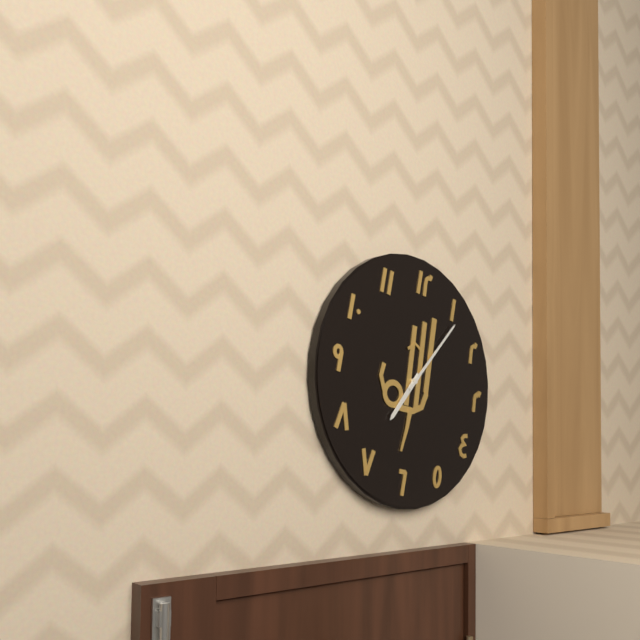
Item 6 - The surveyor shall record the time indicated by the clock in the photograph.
7:06
